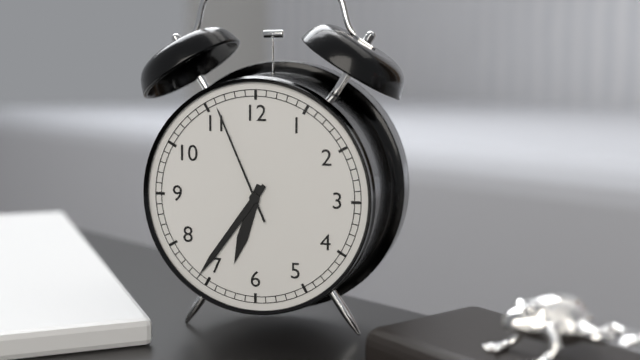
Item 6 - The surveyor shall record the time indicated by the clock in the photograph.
6:36:56
